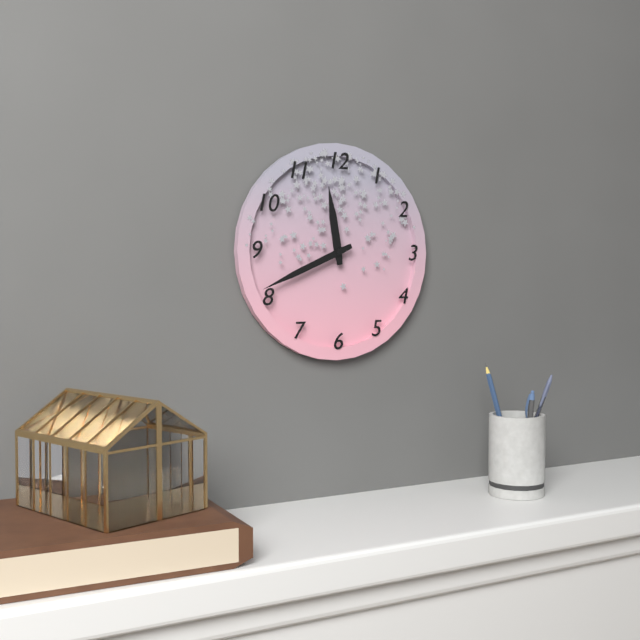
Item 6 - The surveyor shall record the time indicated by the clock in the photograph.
11:41
